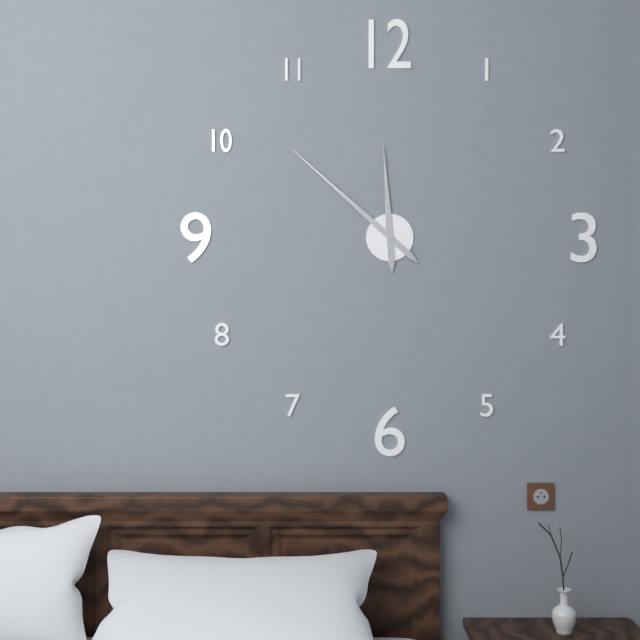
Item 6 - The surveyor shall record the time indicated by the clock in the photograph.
11:52
